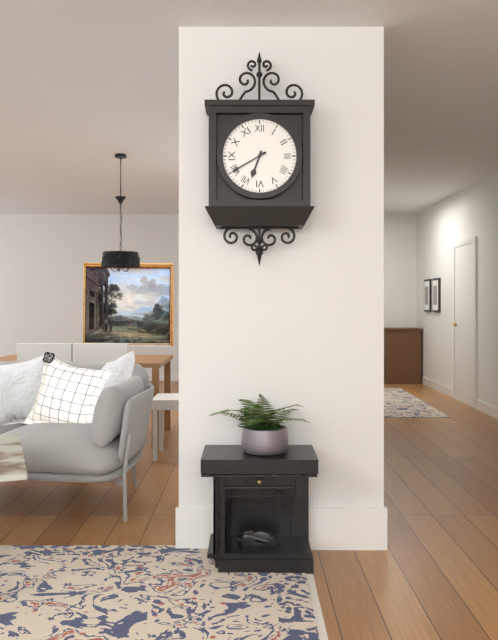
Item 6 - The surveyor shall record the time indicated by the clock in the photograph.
6:40
